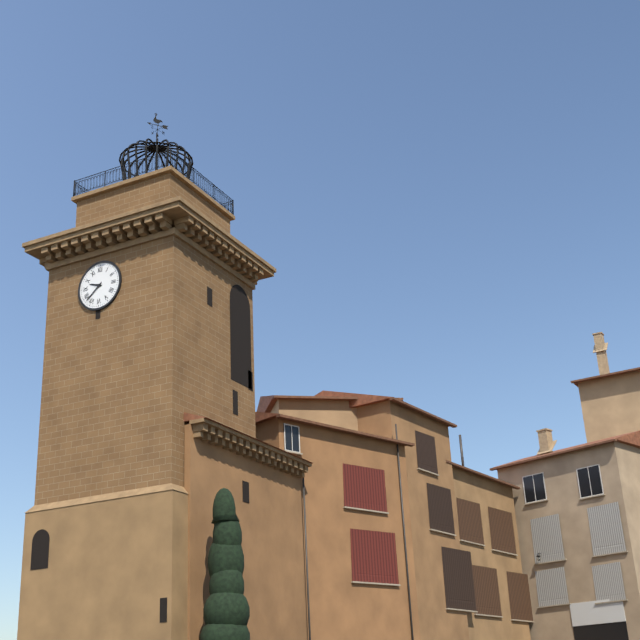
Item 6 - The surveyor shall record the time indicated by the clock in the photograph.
9:38
